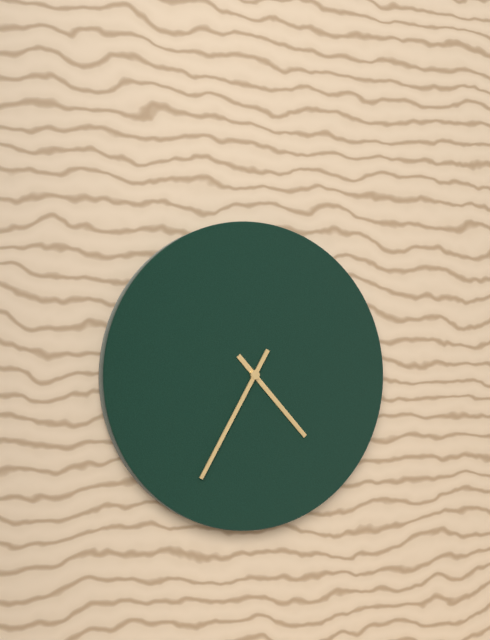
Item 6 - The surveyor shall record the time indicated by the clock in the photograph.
4:35
